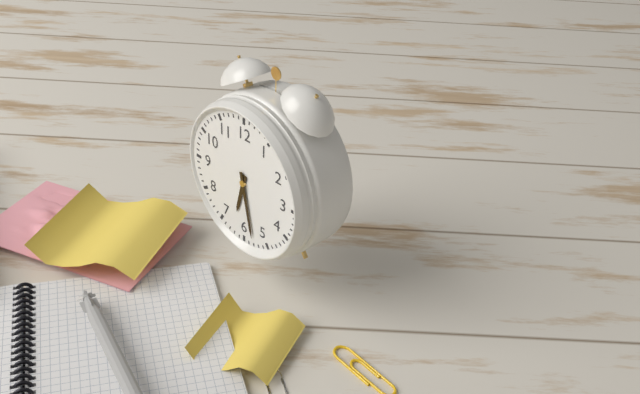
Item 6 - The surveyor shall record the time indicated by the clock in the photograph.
6:28
